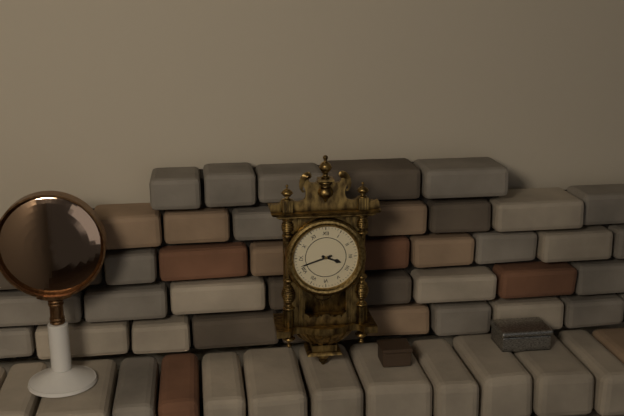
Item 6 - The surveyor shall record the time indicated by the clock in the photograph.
3:42
